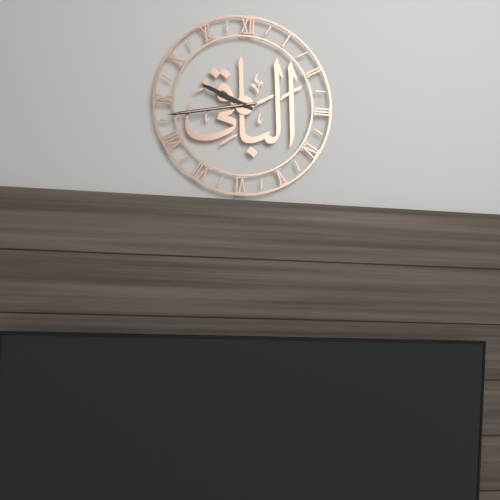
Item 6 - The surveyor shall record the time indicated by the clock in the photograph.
9:43:43
